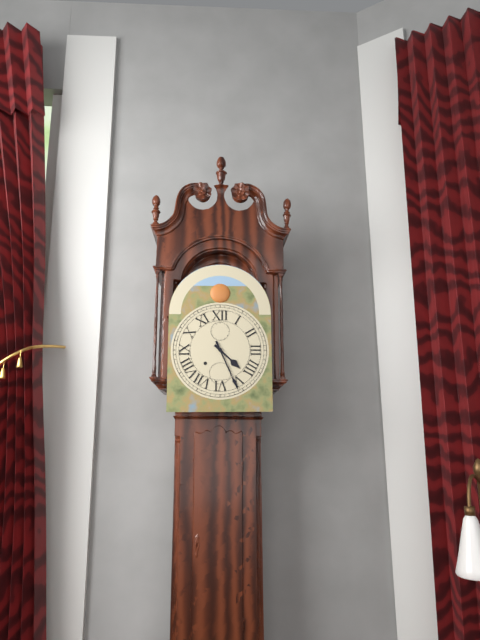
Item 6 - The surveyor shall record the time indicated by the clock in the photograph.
4:26
